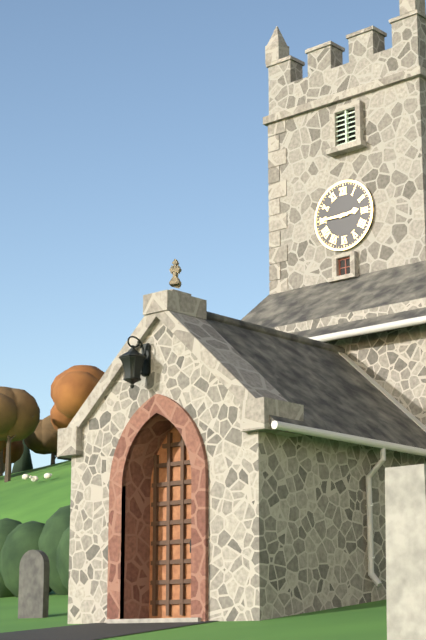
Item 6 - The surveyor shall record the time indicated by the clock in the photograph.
2:45
